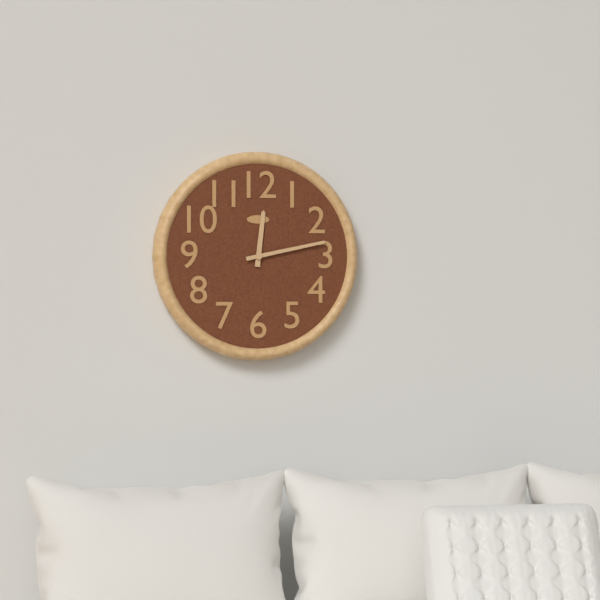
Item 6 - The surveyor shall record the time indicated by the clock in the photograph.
12:13
